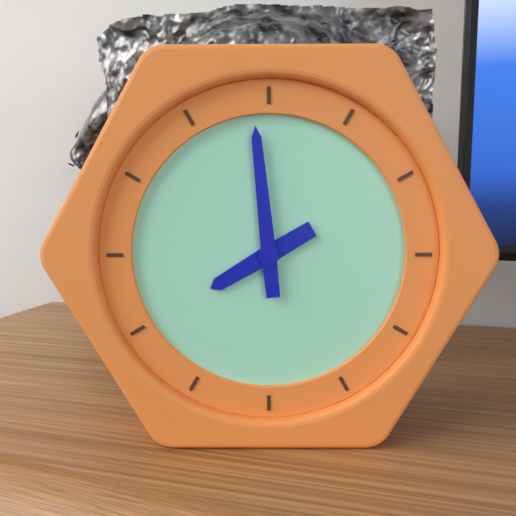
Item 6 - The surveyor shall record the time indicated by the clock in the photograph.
7:59
